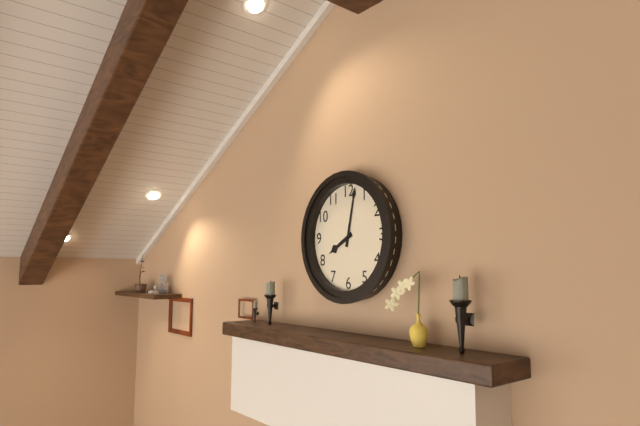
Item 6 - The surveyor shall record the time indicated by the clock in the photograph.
8:02
